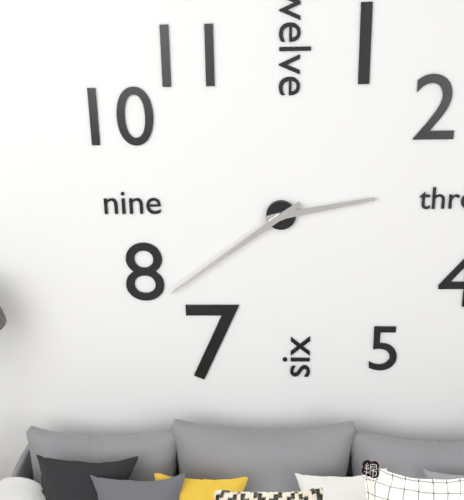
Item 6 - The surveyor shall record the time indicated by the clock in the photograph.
2:39
